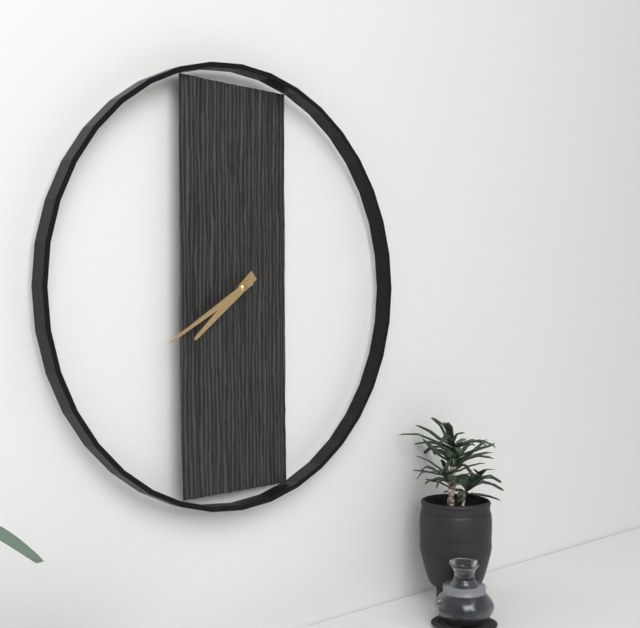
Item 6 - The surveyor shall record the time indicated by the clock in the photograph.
7:40
